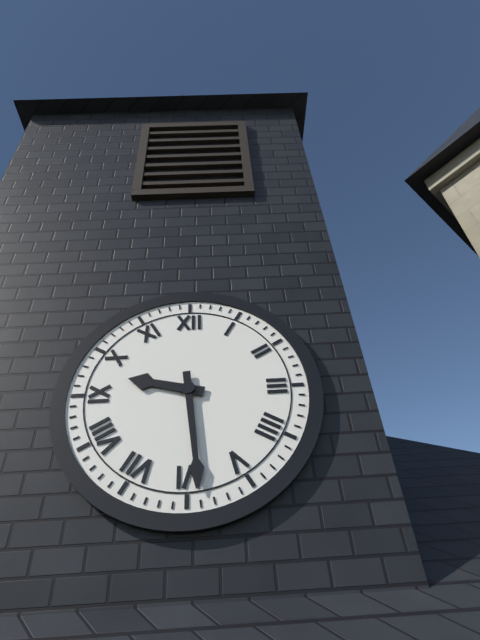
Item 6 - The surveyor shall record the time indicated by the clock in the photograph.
9:29
